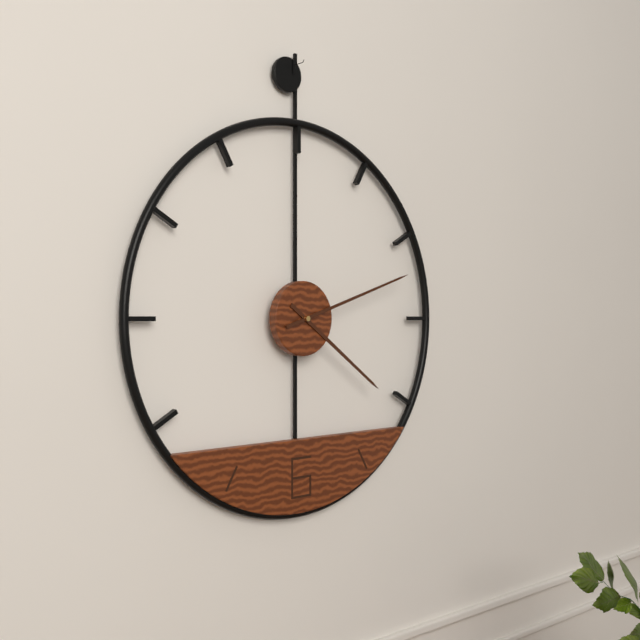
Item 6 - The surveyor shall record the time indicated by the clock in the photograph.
4:12
